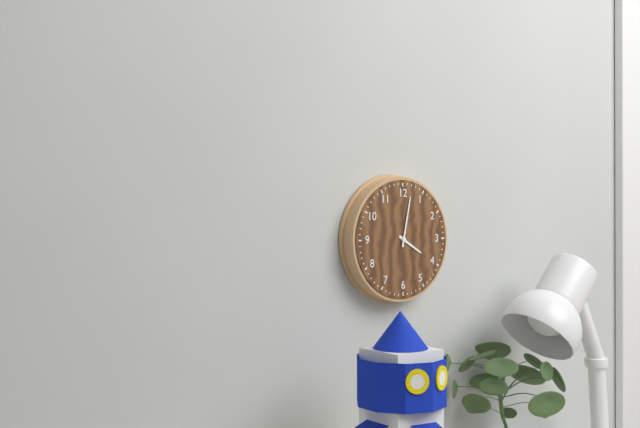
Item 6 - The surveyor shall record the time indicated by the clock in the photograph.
4:02
